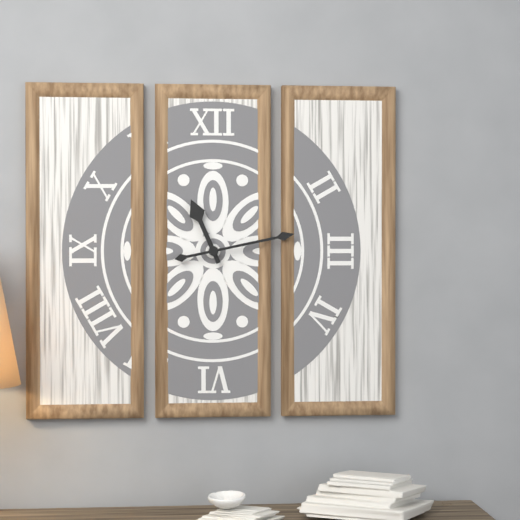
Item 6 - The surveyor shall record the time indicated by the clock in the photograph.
11:13
